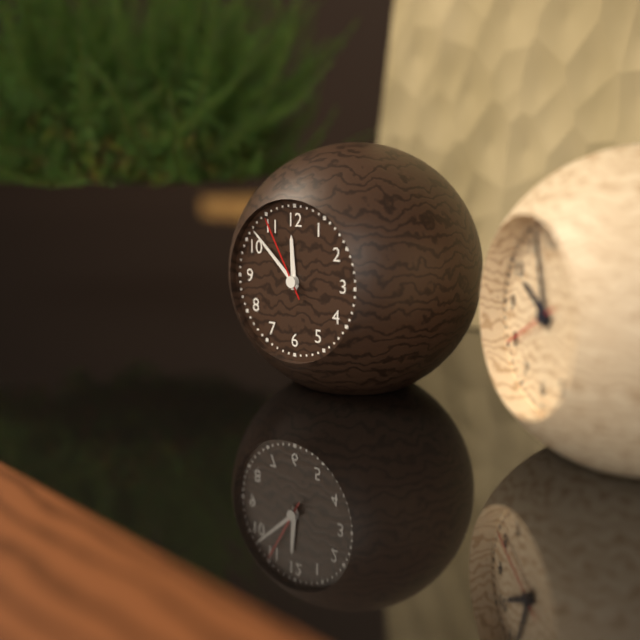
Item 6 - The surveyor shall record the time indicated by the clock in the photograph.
11:52:55
